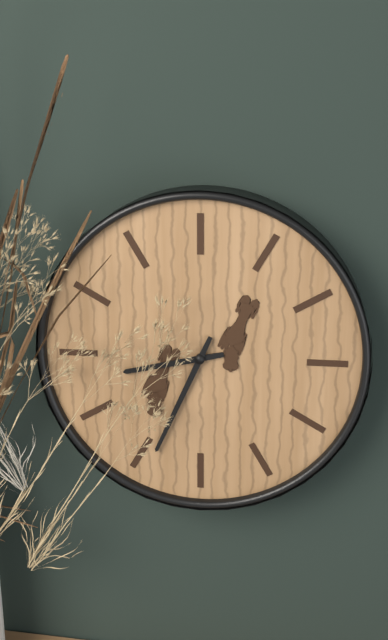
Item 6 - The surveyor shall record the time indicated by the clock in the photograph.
8:34
